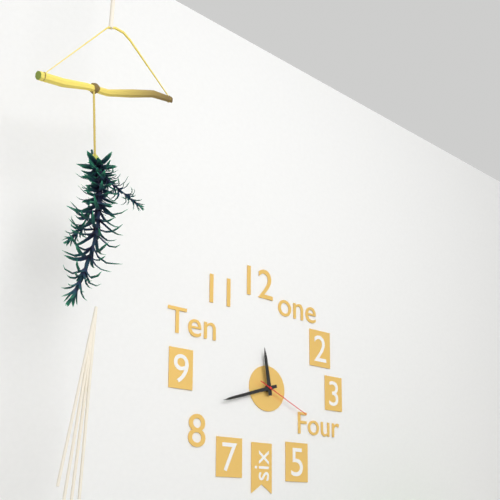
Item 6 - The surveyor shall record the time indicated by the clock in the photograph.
11:42:19
